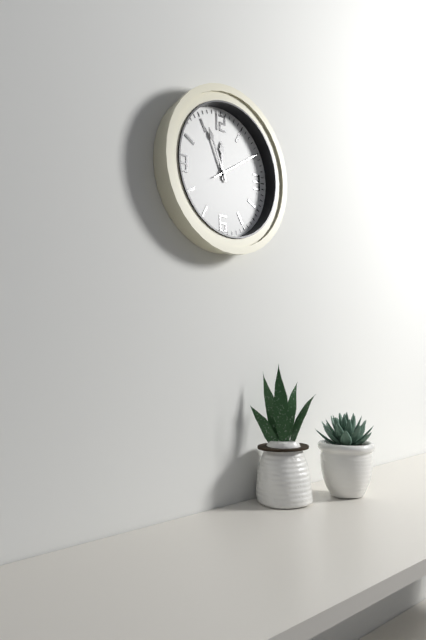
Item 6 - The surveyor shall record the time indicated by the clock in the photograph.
11:56:10
